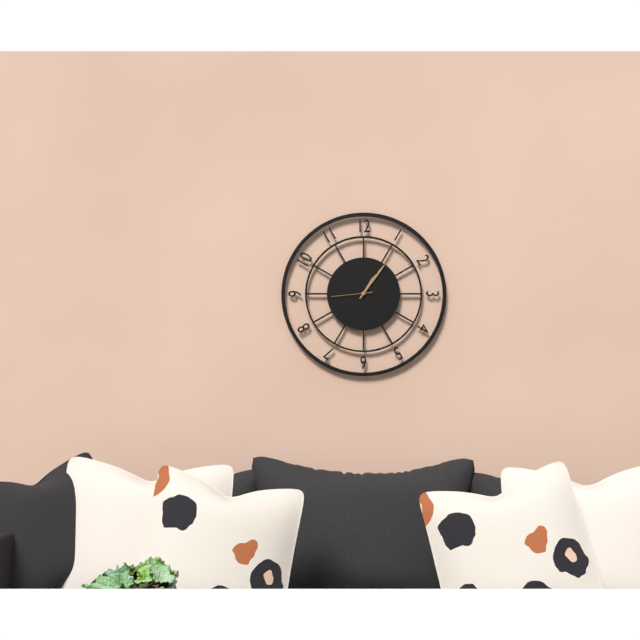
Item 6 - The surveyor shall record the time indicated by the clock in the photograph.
1:06
